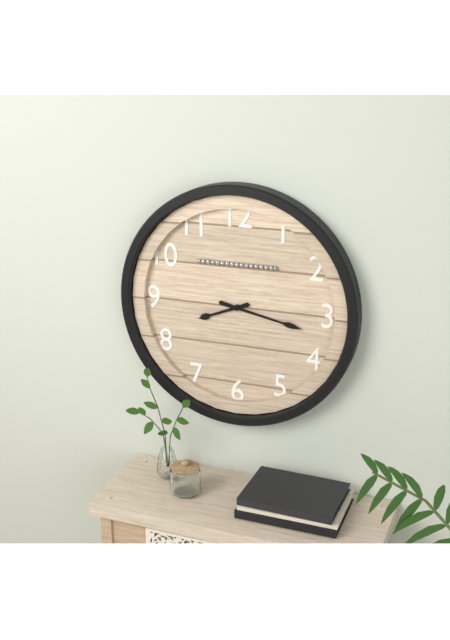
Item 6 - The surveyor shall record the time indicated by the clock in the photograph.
8:17
